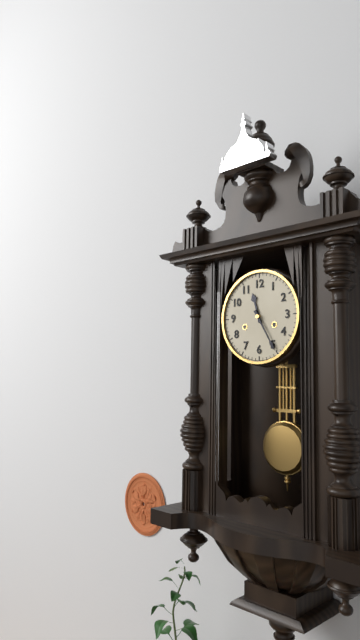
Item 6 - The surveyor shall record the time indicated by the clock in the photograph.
11:25
